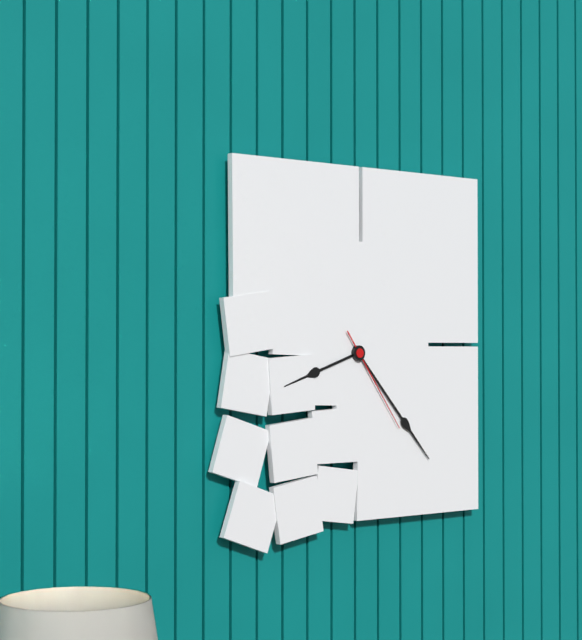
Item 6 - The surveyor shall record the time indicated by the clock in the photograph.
8:23:24
